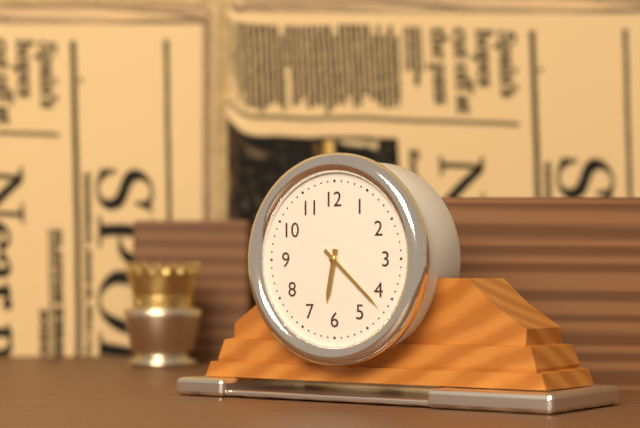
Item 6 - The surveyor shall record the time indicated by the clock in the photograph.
6:22
